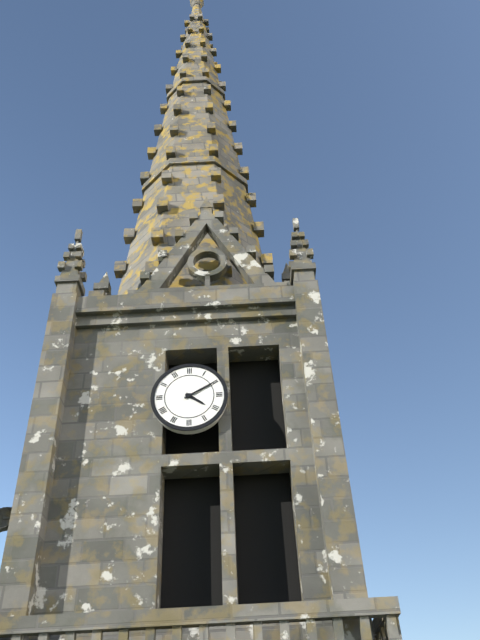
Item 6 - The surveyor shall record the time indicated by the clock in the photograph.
4:10
